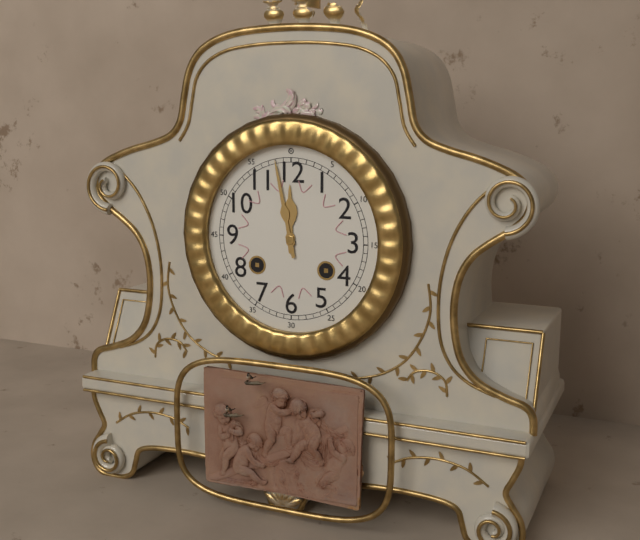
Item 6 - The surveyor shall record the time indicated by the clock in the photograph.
11:58
